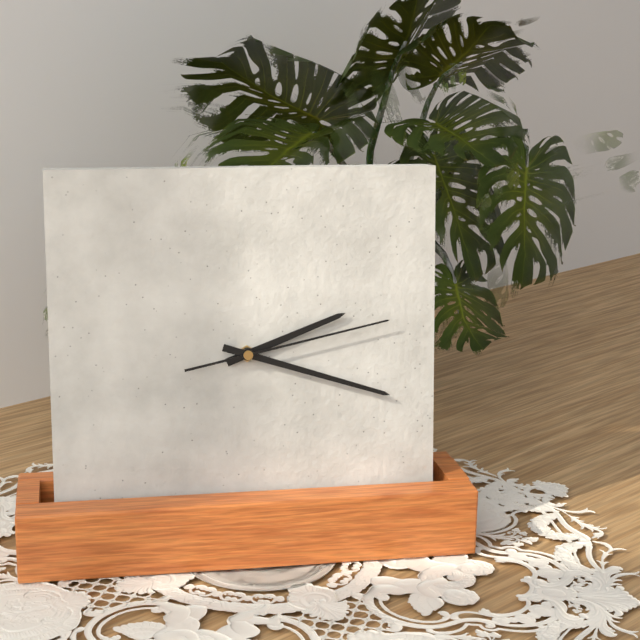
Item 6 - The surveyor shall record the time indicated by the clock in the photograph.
2:18:13
